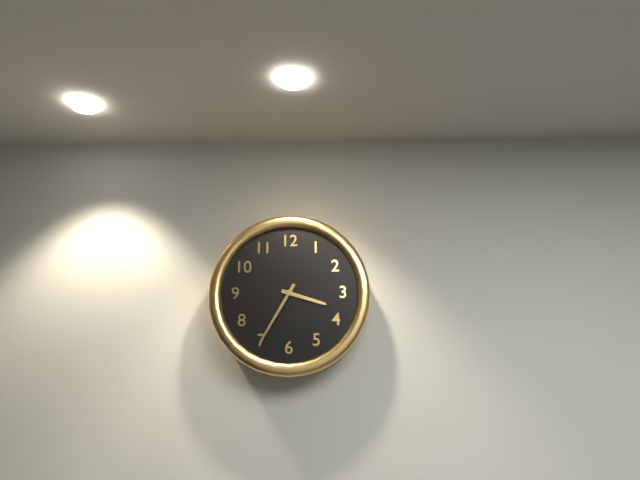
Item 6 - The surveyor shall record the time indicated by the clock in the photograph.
3:35
